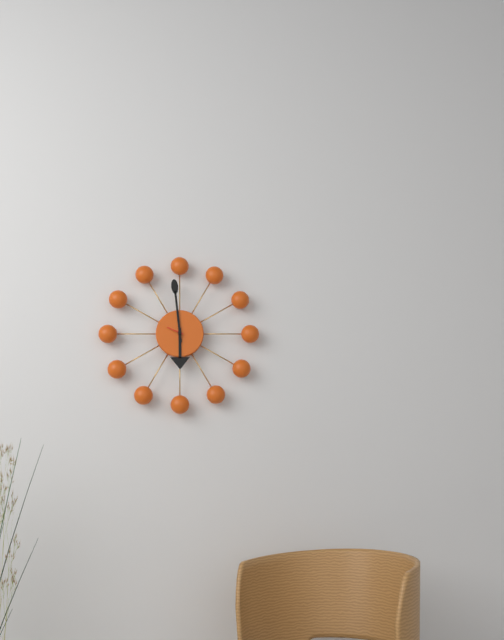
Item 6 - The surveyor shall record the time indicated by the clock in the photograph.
5:59
